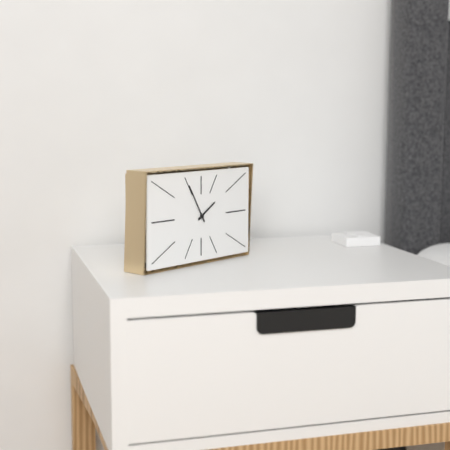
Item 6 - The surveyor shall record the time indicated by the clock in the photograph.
1:55
